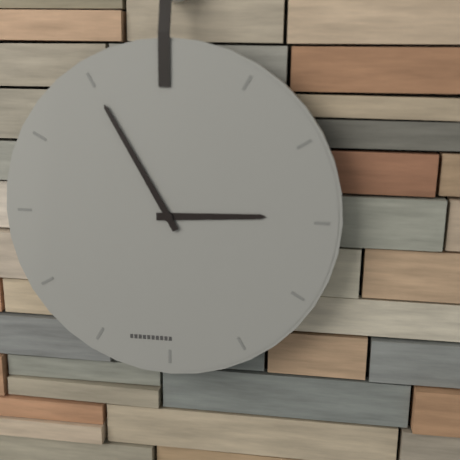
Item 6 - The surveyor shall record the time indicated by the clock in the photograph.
2:55
